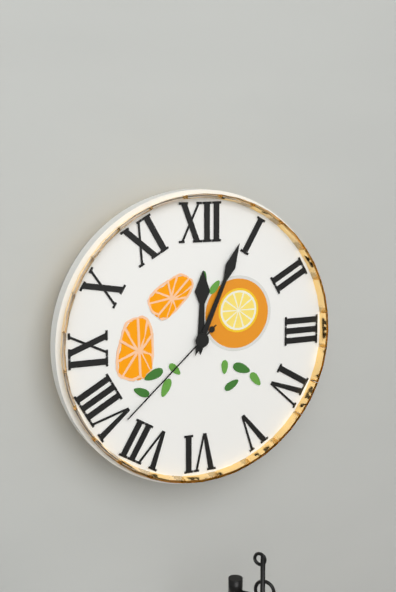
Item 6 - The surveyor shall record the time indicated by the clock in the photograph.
12:04:38
